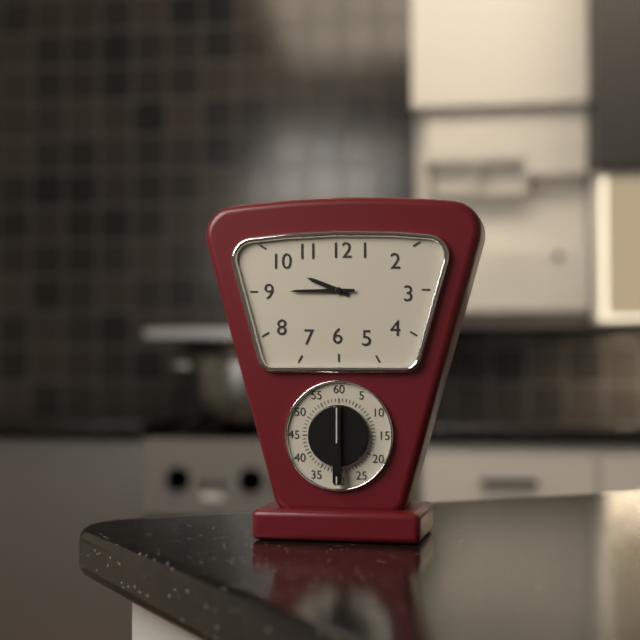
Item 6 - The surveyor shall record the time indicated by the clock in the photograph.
9:45
